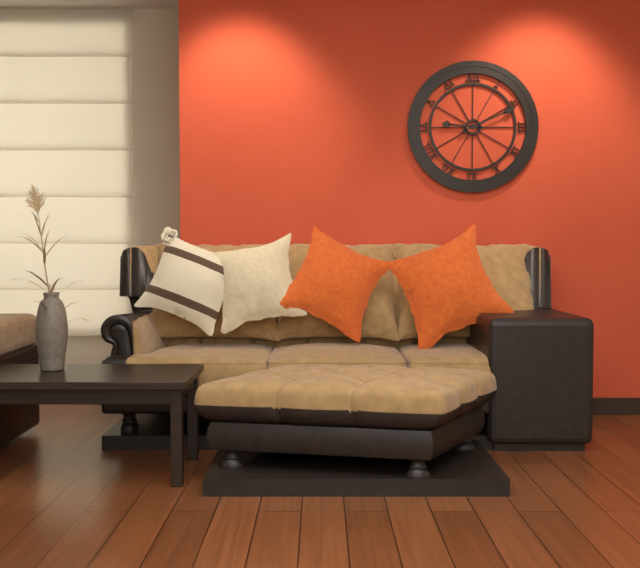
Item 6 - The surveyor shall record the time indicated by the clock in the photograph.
9:11
